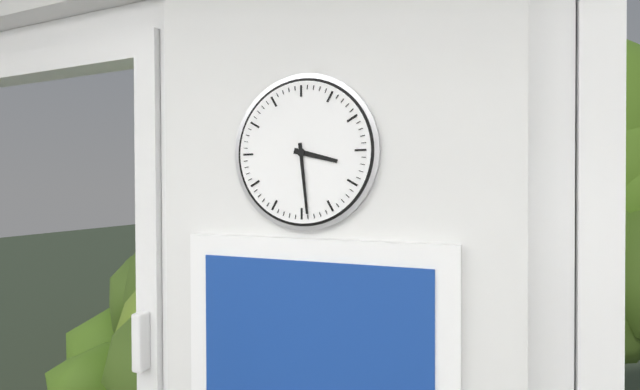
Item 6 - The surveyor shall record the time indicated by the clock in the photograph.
3:29
